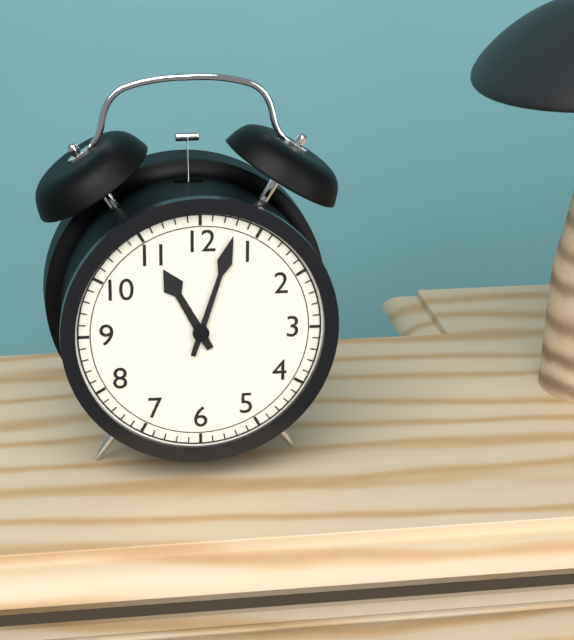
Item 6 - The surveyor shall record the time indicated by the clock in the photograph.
11:03
